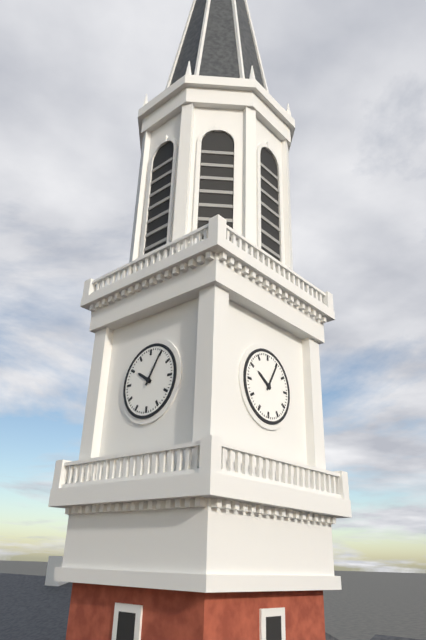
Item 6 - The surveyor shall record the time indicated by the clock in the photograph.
10:05
